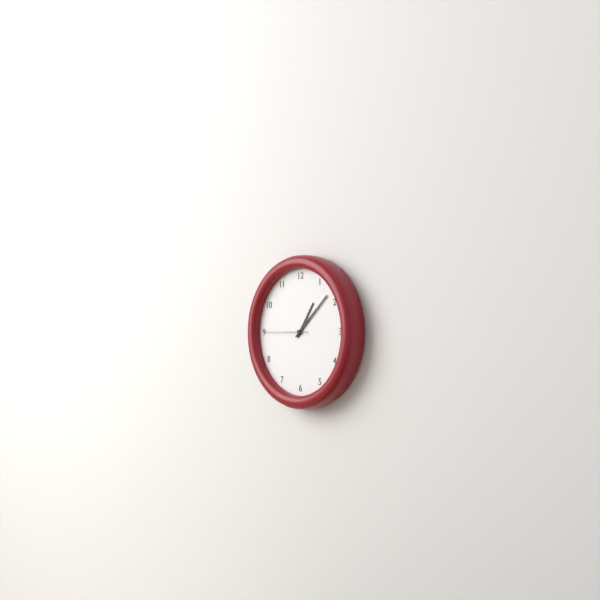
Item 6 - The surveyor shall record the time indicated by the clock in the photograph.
1:08
